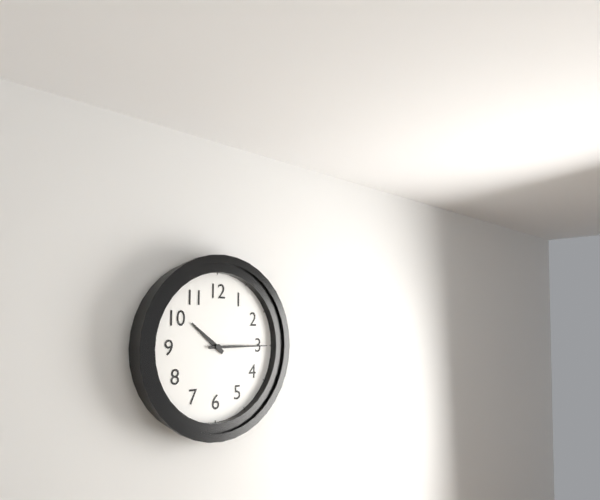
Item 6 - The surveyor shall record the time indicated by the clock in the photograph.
10:15
